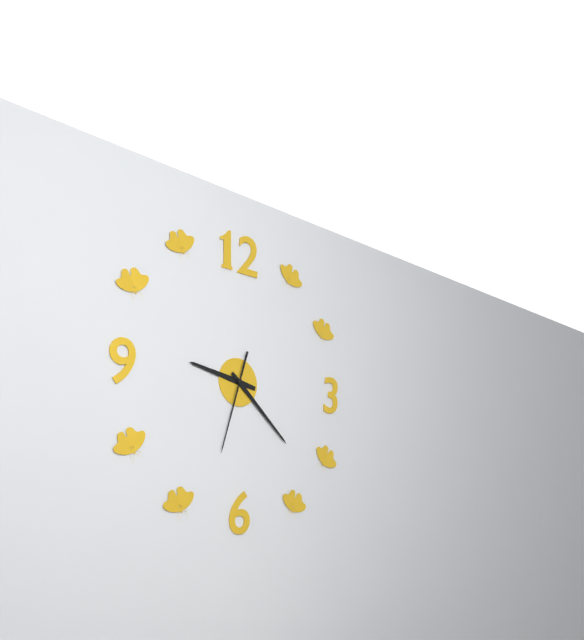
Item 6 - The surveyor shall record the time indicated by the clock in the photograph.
9:22:33
